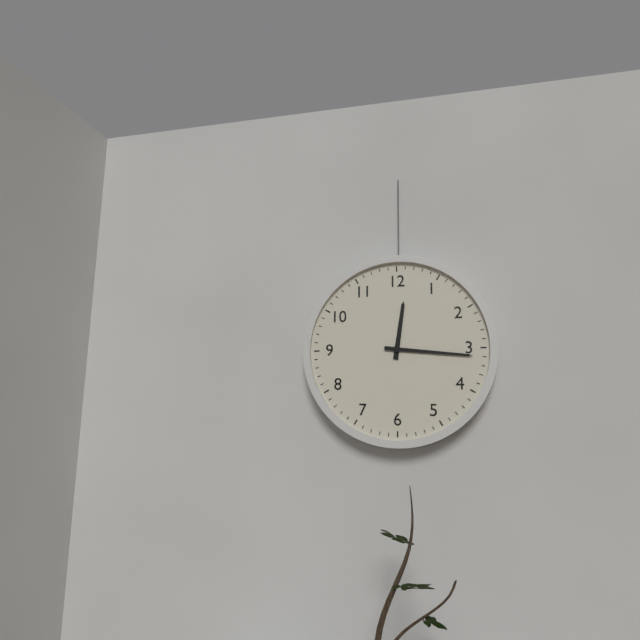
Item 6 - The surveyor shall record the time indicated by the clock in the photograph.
12:16
